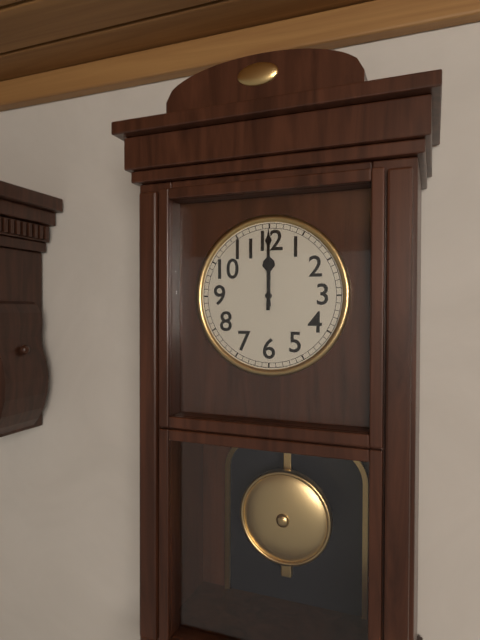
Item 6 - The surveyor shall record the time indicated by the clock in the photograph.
12:00
